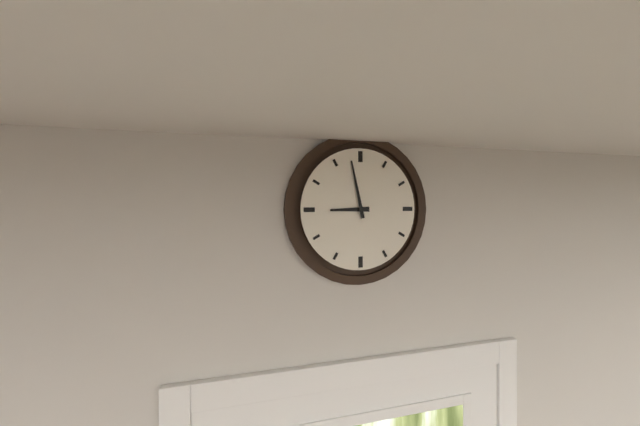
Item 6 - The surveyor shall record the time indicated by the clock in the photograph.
8:58
